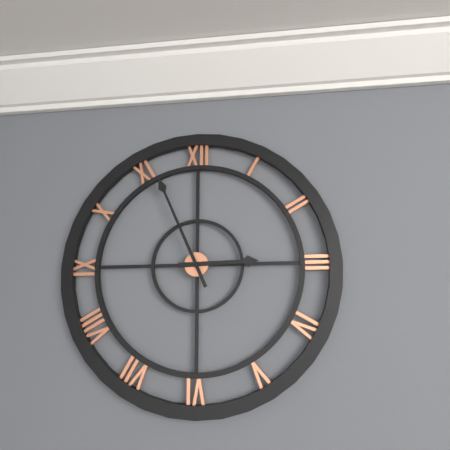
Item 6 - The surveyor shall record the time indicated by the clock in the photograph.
2:56
